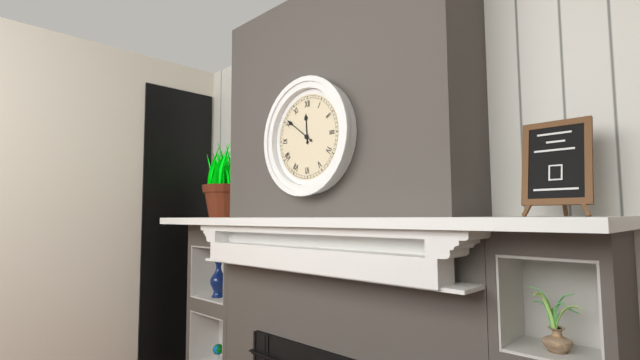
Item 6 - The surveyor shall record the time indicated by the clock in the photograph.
11:51
